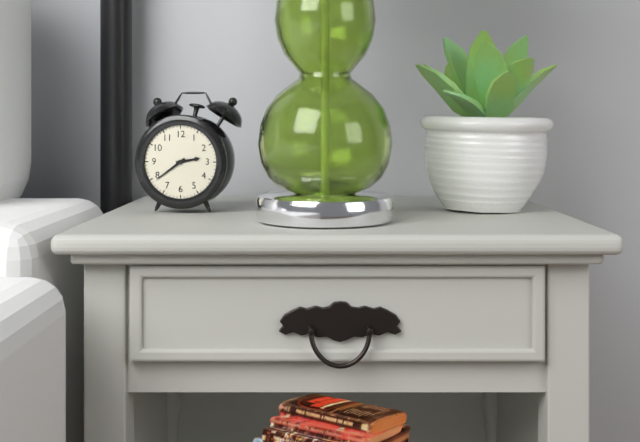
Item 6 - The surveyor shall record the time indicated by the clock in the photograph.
2:39
